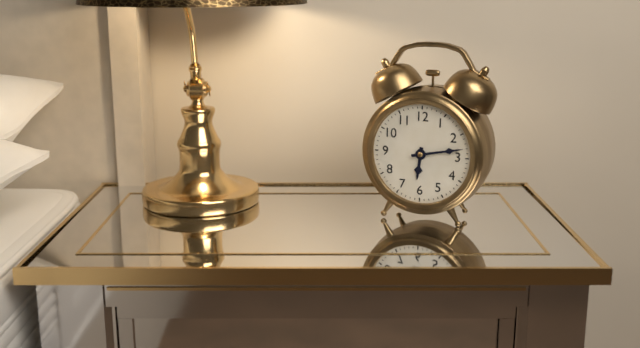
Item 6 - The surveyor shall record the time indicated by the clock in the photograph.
6:13
